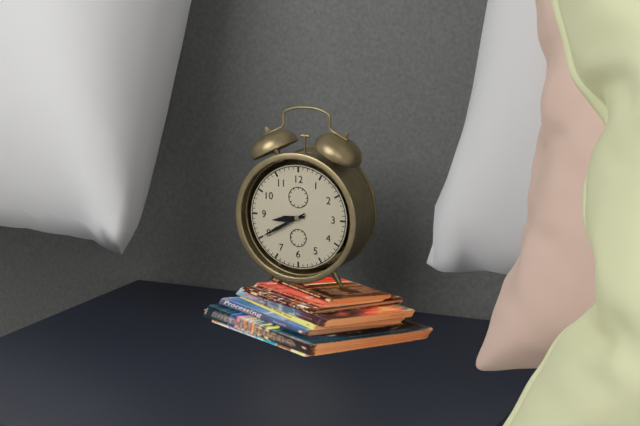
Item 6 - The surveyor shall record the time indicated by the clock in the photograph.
8:40
